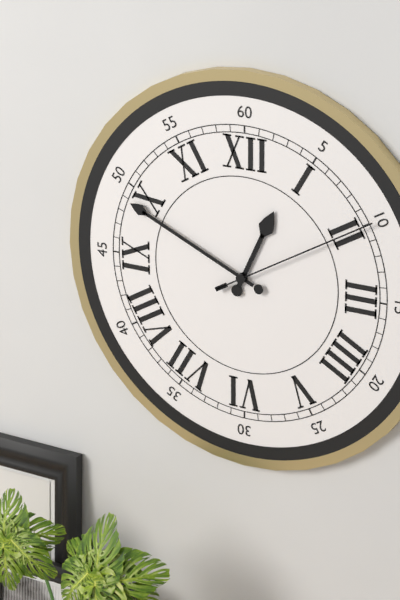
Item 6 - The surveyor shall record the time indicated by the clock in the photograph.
12:49:10
